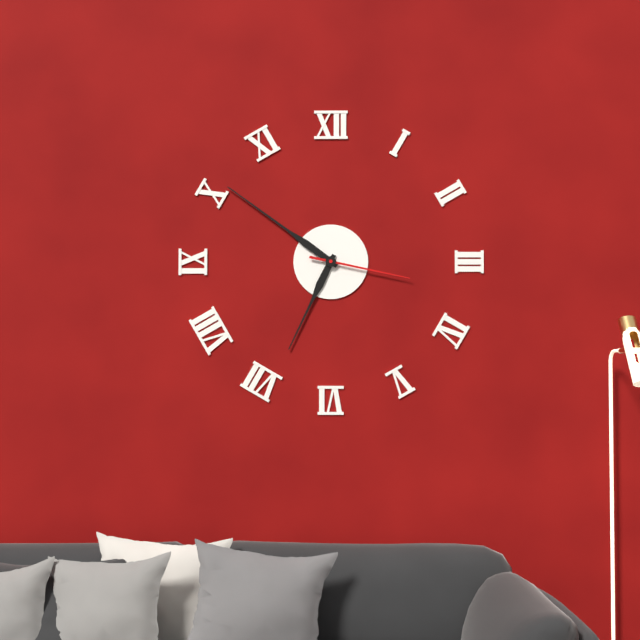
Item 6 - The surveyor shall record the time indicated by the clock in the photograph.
6:51:17
